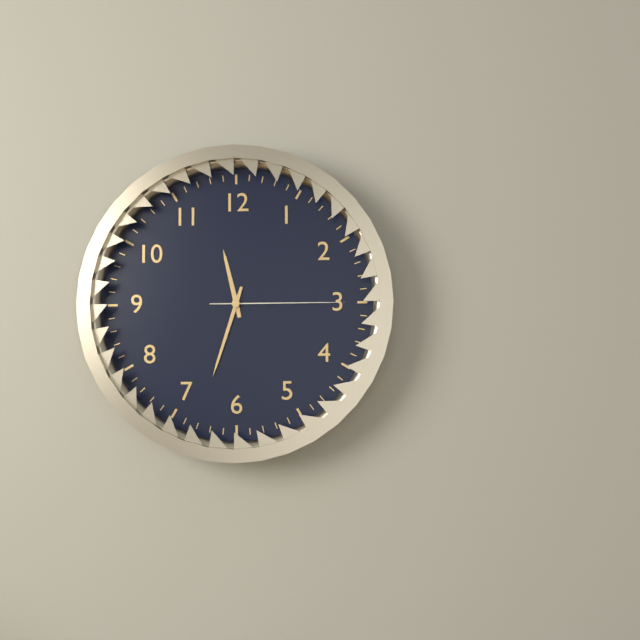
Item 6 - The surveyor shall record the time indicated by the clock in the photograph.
11:33:15
